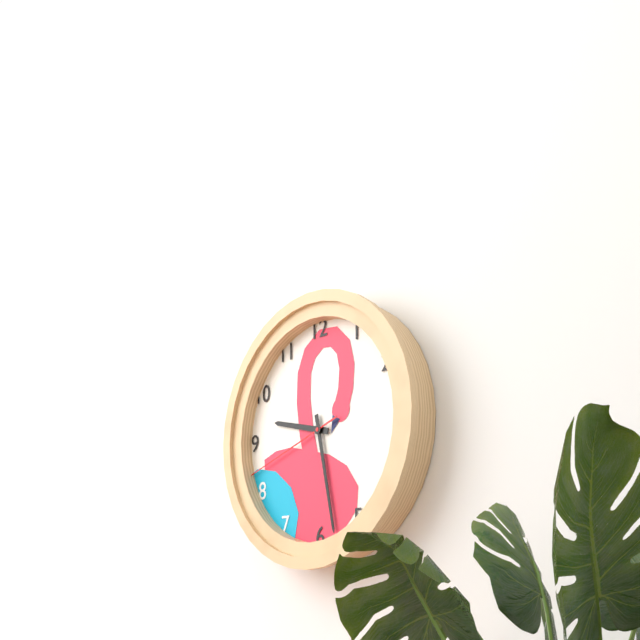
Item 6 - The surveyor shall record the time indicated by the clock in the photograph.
9:28:42
